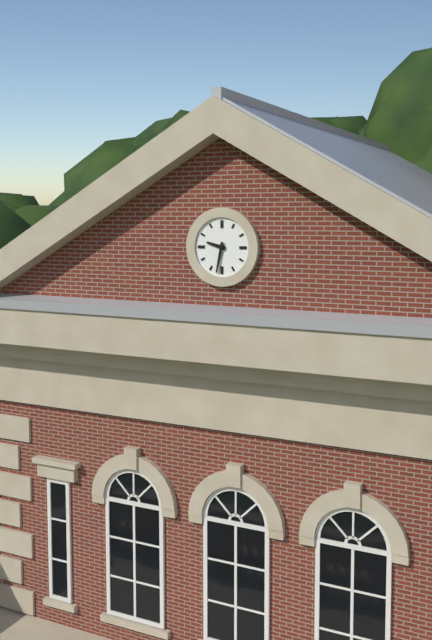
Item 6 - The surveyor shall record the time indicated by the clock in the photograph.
9:32
